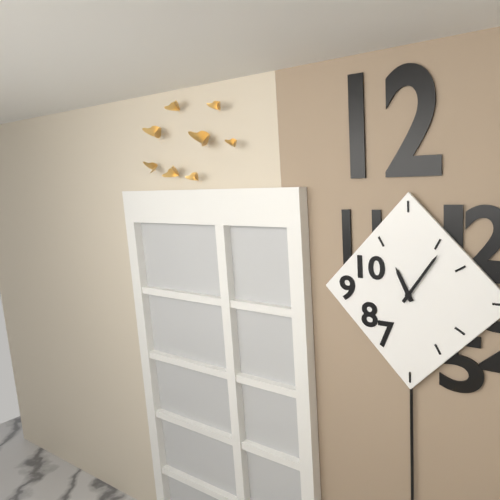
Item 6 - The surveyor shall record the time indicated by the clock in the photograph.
11:06
